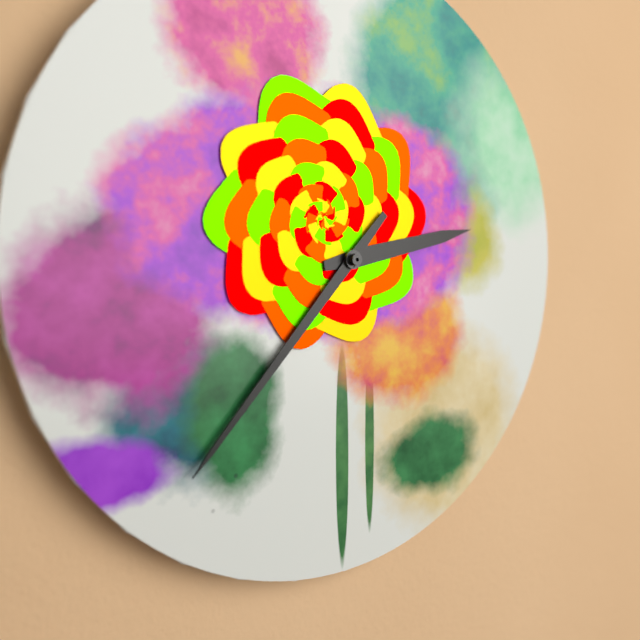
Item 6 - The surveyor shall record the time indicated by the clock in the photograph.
2:37
